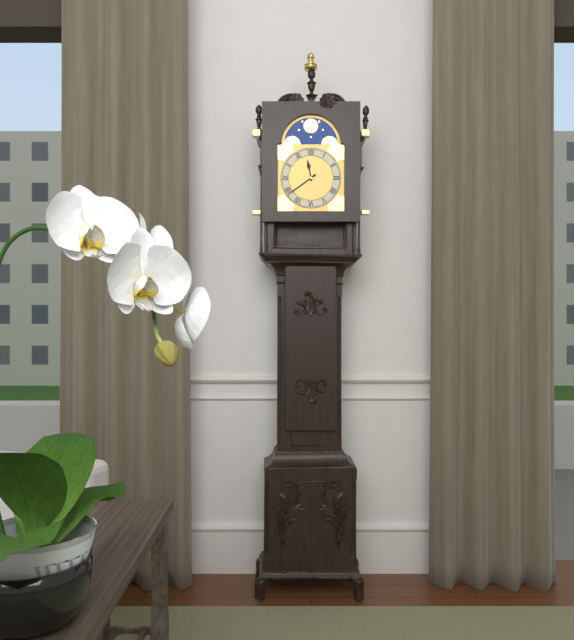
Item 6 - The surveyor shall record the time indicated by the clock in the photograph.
11:39
